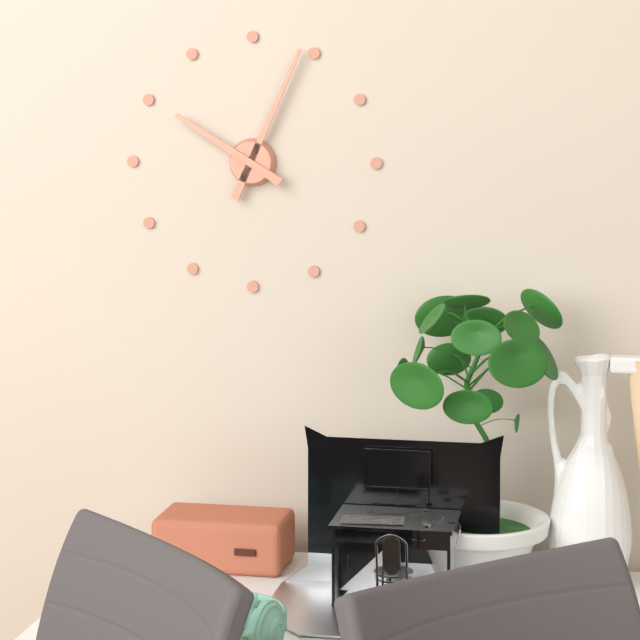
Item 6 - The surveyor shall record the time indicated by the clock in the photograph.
10:04
